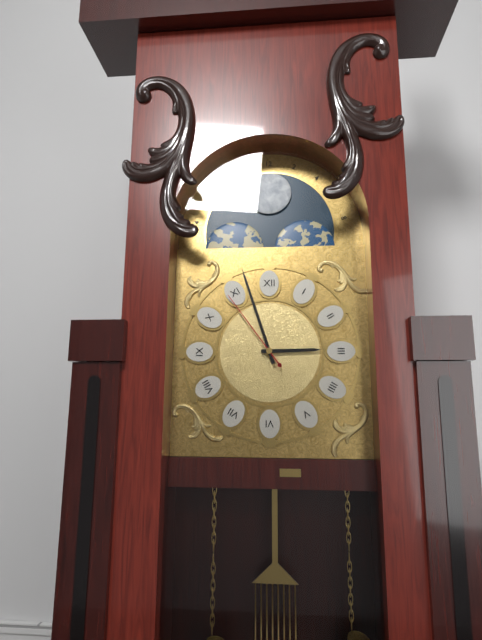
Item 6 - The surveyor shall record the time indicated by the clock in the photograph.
2:57:54
